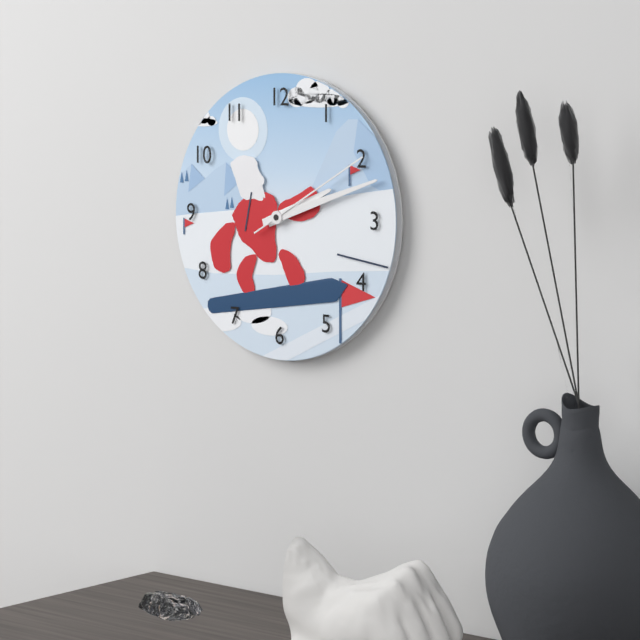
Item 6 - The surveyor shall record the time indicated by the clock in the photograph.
2:12:10
